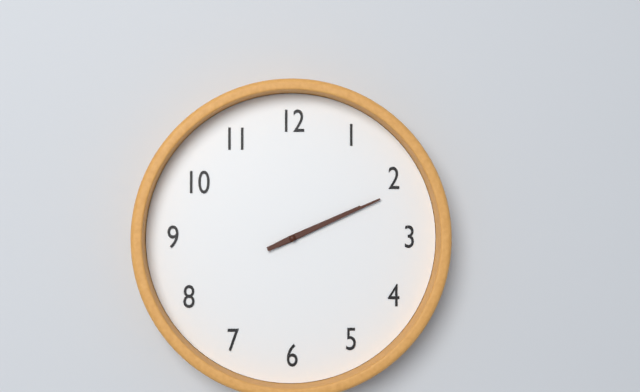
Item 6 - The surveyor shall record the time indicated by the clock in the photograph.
2:11
